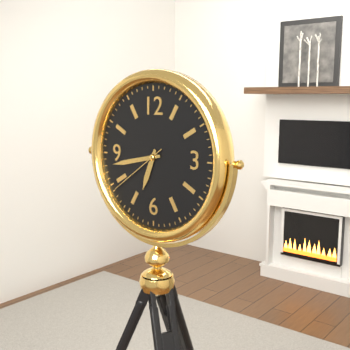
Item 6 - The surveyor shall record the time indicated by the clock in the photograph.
6:43:39
